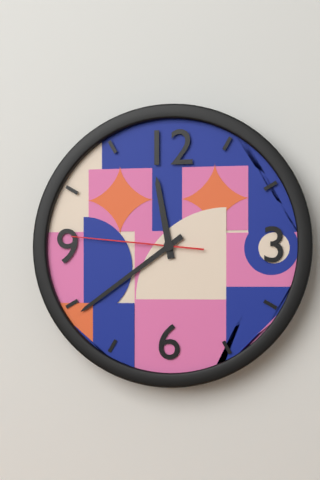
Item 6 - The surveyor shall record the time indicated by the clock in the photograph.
11:39:46
